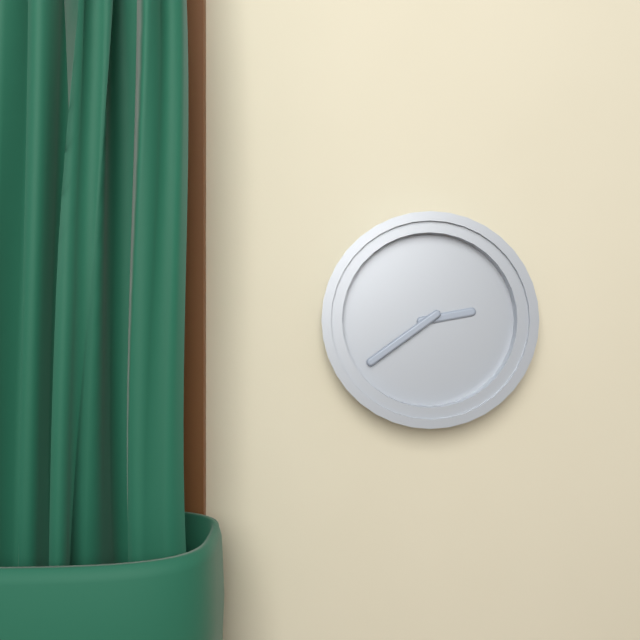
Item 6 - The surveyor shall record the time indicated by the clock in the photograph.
2:39
